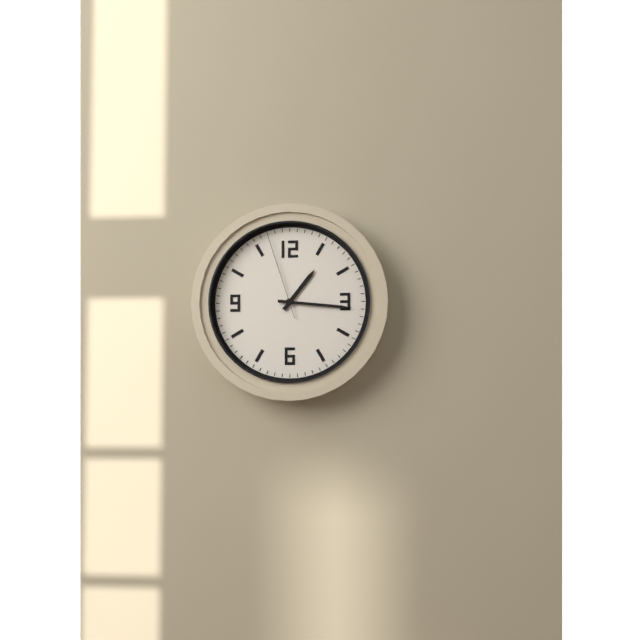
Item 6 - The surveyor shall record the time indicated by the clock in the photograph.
1:16:57
